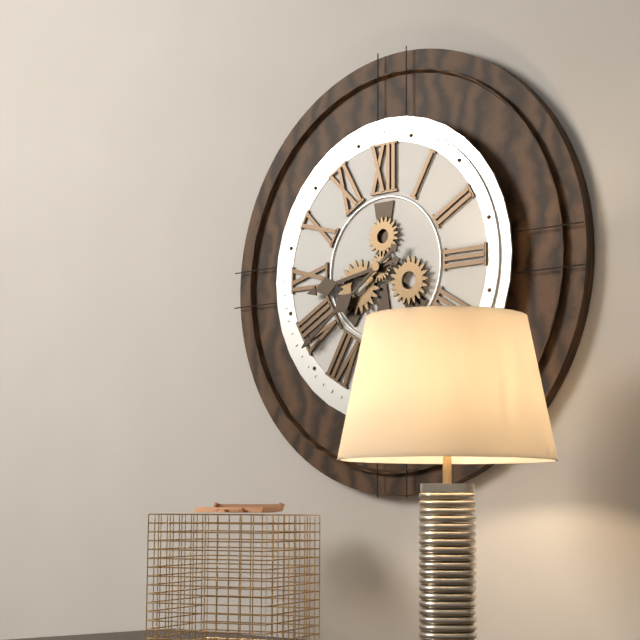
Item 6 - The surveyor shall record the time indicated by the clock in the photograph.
8:39
